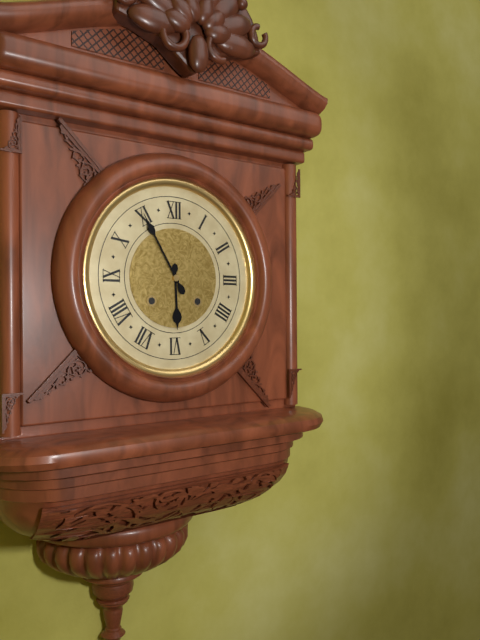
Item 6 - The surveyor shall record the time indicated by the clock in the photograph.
5:55
